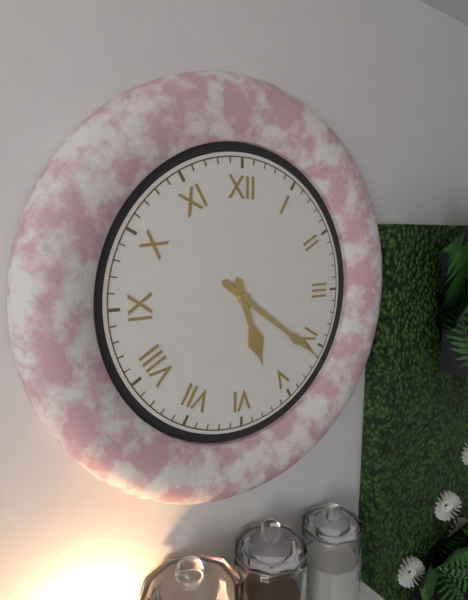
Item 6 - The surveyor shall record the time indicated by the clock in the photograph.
5:21
